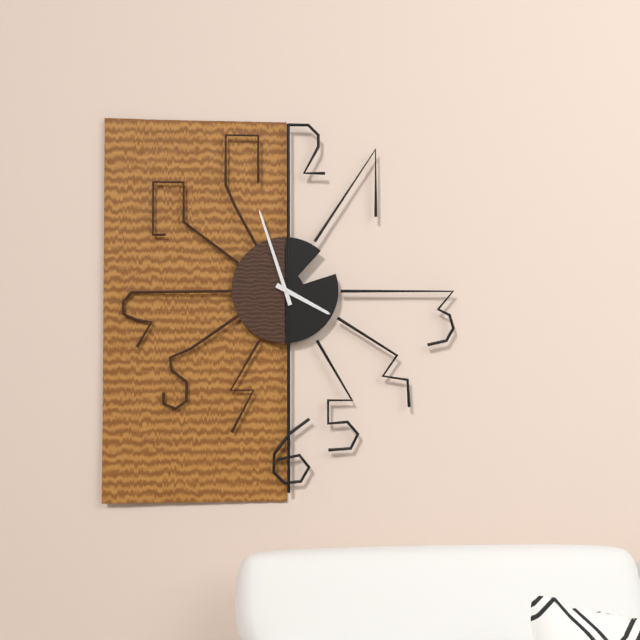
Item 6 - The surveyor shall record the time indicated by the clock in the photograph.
3:57
